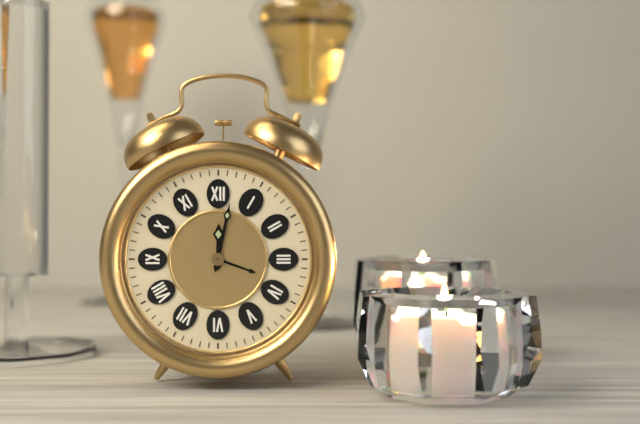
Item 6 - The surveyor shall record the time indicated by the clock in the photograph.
12:02
